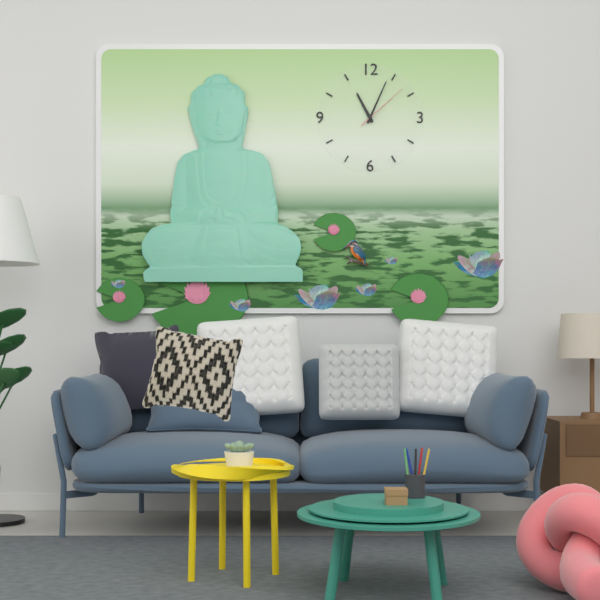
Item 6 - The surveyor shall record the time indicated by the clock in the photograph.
11:04:08
